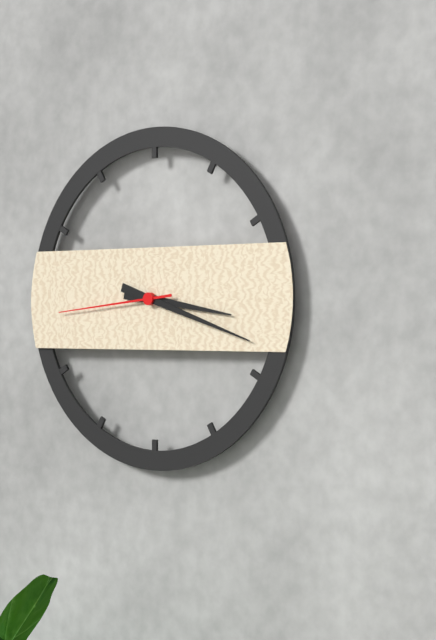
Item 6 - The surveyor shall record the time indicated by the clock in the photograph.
3:18:44
